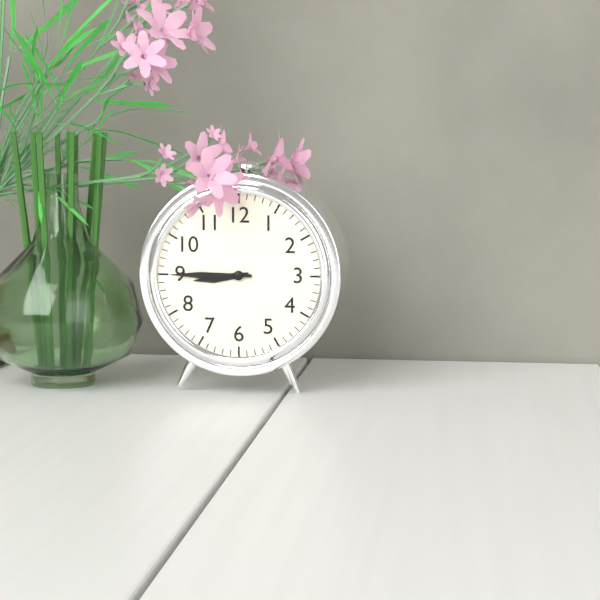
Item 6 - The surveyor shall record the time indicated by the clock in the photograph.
8:45
